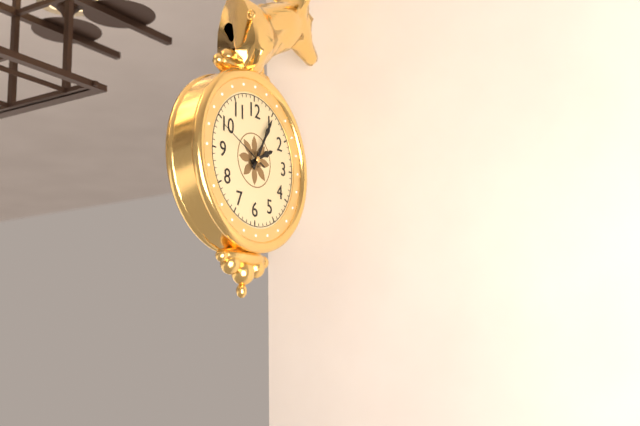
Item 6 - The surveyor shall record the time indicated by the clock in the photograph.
2:05:49
